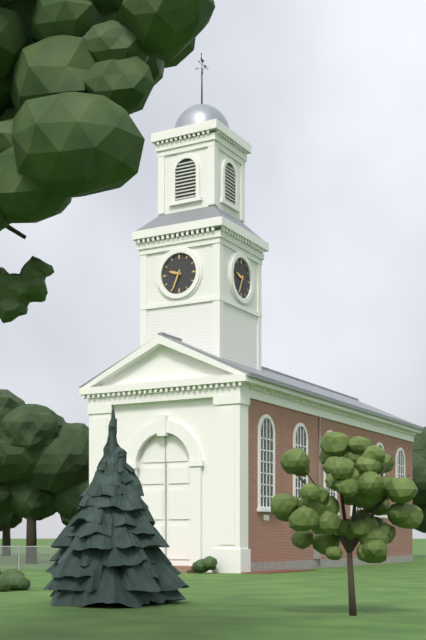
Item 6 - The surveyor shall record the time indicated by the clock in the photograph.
9:34
